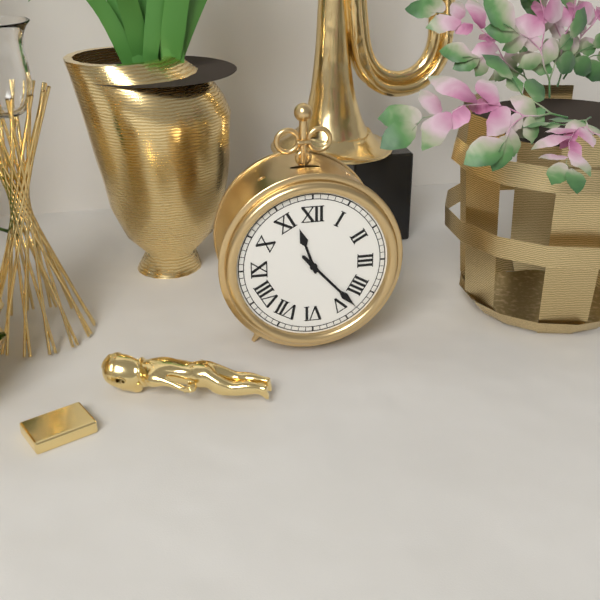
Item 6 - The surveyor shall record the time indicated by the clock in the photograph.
11:23
